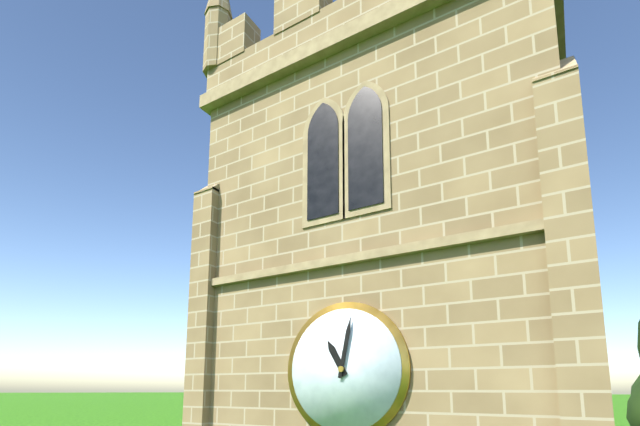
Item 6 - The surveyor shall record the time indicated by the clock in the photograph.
11:02
